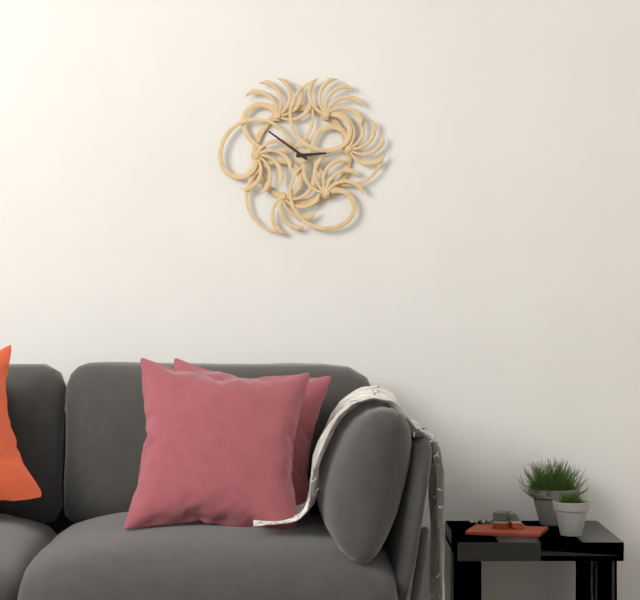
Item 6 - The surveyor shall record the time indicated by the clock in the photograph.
2:51
